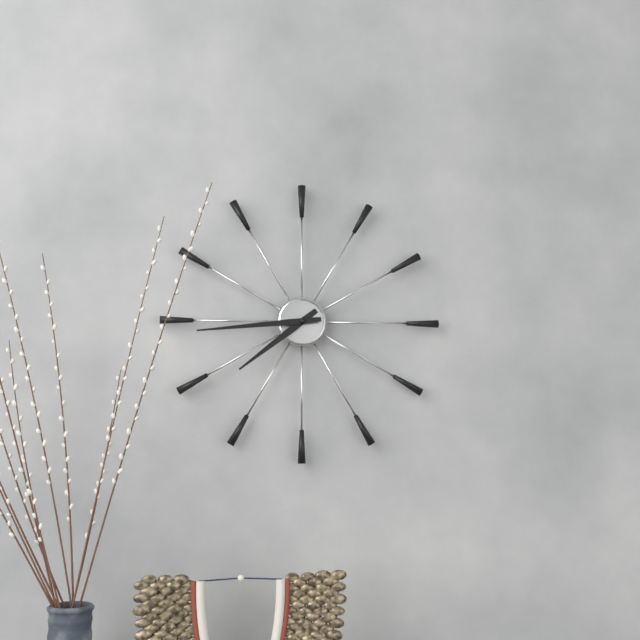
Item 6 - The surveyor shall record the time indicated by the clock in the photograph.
7:44
